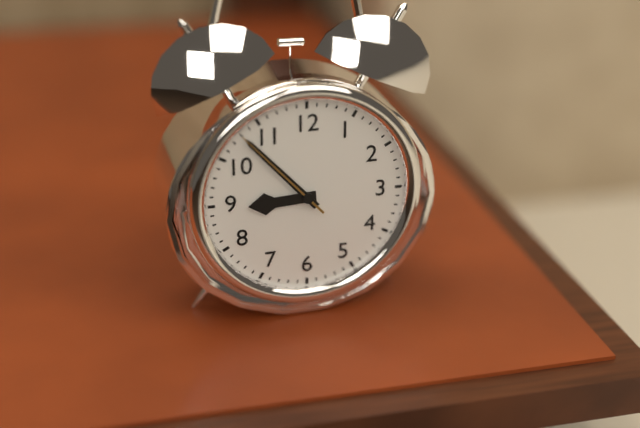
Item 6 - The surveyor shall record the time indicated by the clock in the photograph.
8:53:53
